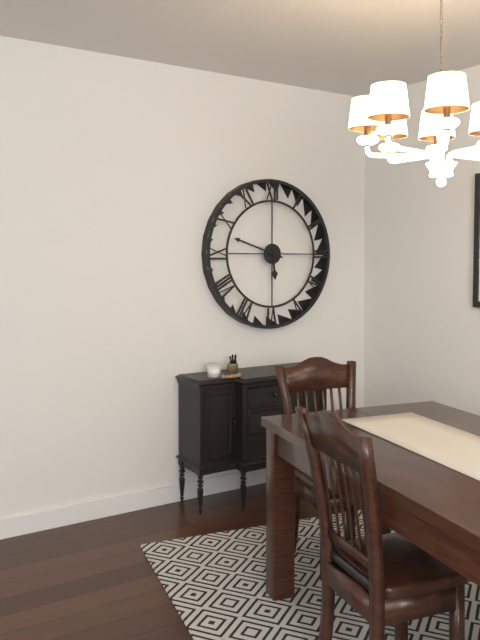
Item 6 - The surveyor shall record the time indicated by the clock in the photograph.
5:48
